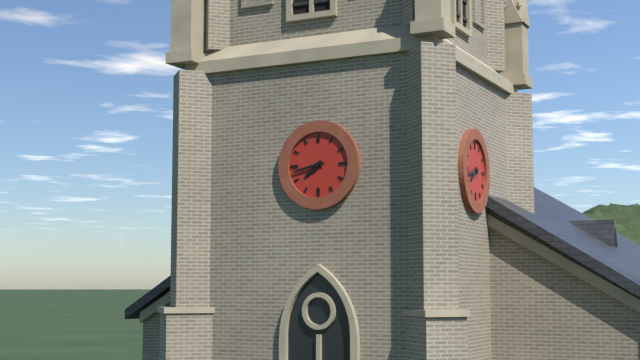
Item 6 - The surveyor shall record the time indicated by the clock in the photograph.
7:43
